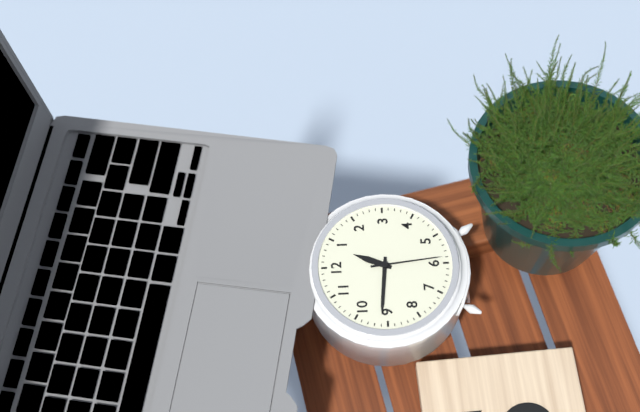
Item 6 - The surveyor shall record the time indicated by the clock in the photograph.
12:46:29
